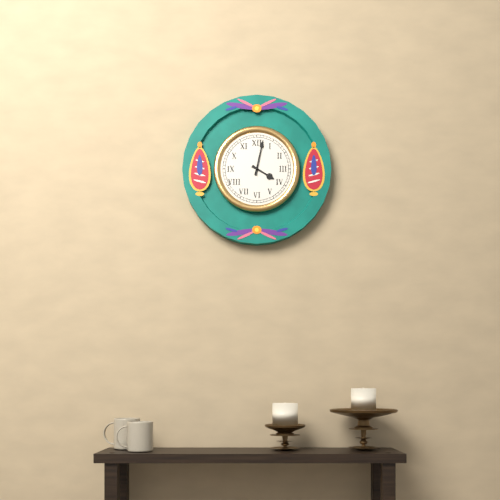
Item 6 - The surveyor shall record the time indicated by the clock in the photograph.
4:02
